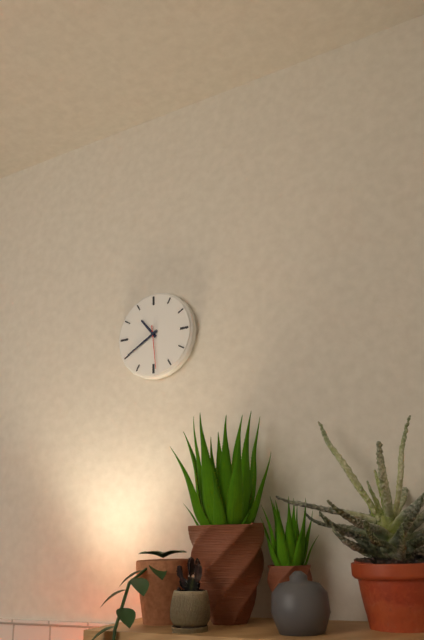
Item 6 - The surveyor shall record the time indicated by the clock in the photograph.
10:40
